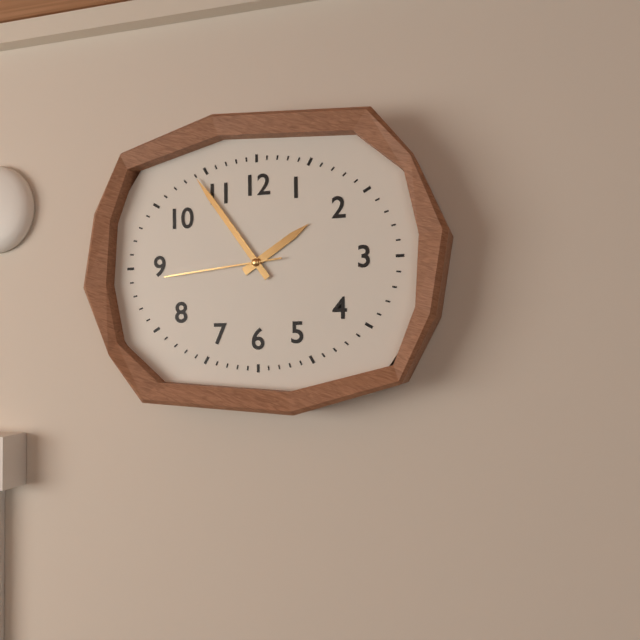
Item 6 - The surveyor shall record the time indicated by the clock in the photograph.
1:54:44
